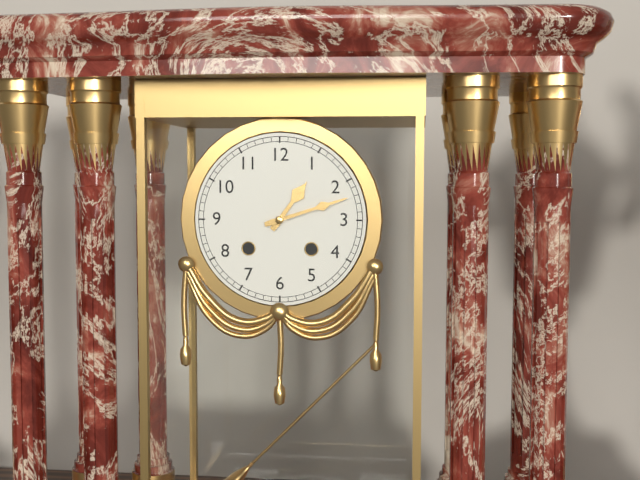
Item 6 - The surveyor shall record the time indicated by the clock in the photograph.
1:12
